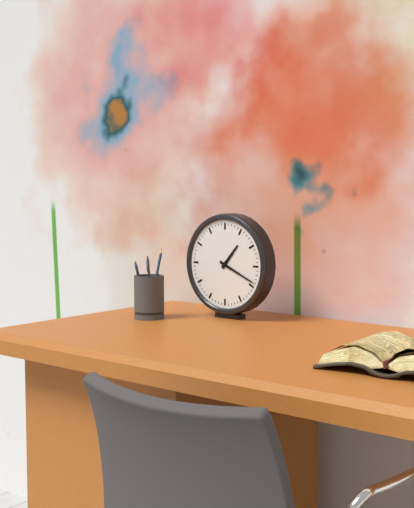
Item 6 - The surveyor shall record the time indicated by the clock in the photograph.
1:19
